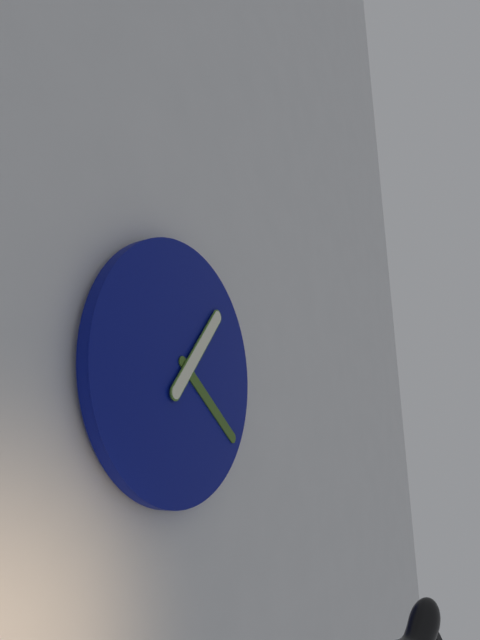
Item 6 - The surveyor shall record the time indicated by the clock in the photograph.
1:21
